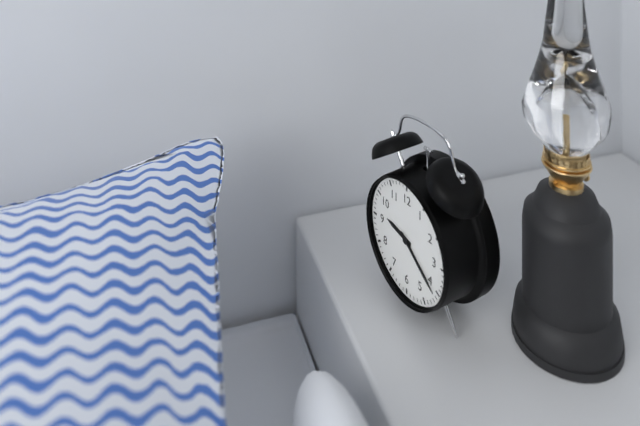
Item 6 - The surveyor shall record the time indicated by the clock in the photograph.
9:21
